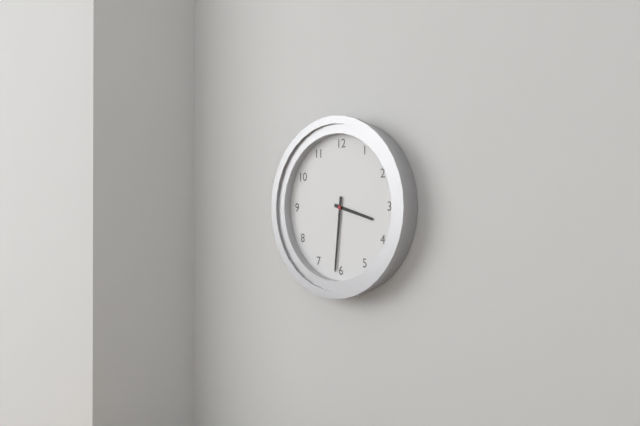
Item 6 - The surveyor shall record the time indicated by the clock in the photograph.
3:31
